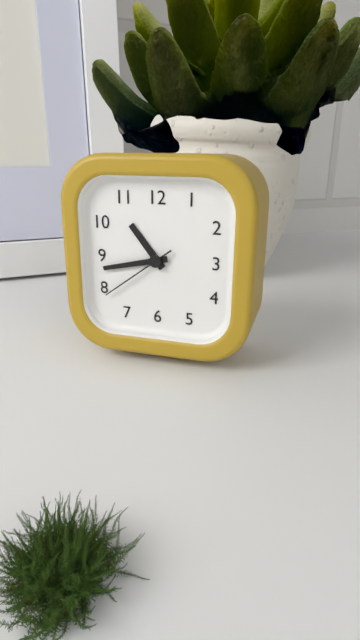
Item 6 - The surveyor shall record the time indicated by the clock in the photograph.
10:43:39
